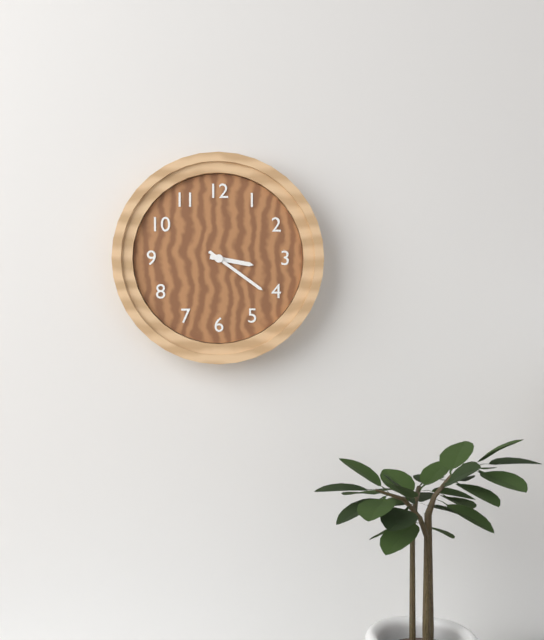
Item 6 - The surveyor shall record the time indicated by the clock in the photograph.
3:21
